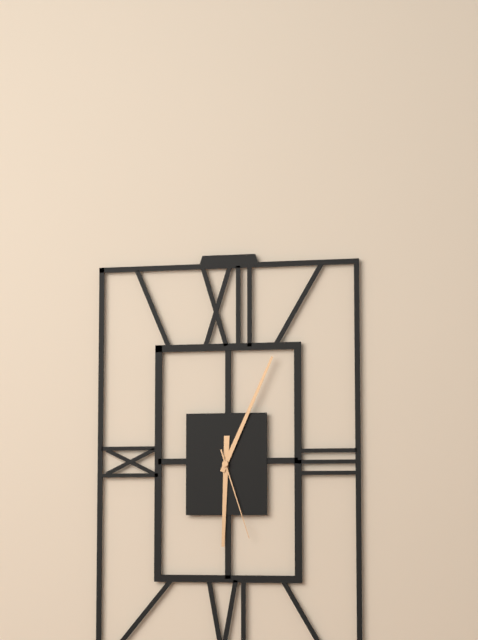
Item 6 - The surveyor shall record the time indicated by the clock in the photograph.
6:04:27
